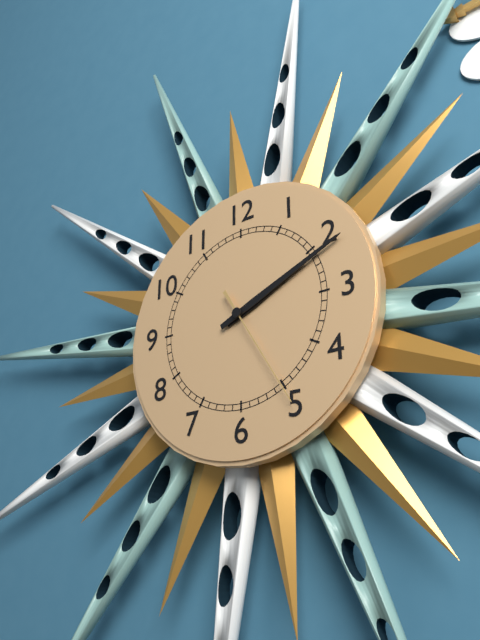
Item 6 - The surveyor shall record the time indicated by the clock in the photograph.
2:11:25
